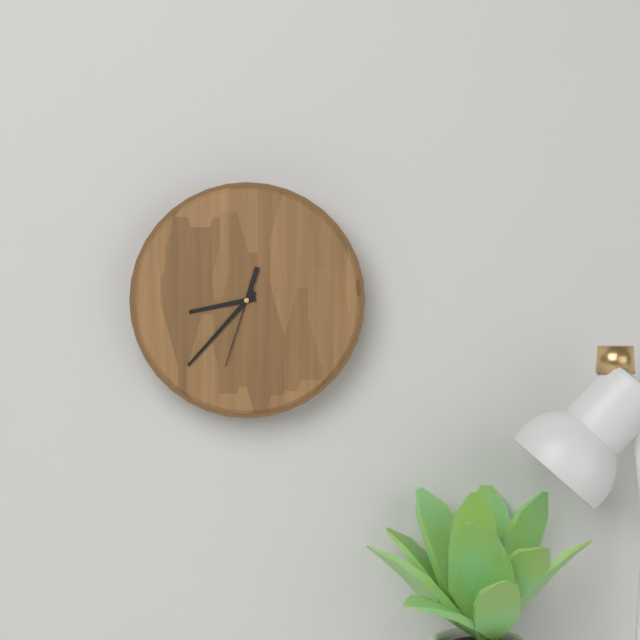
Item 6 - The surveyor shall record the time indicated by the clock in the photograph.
8:37:33
